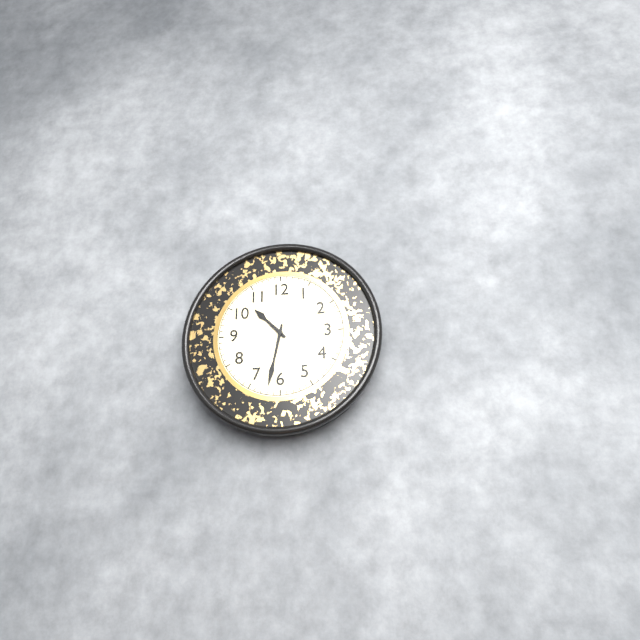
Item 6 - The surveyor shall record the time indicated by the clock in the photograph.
10:32
